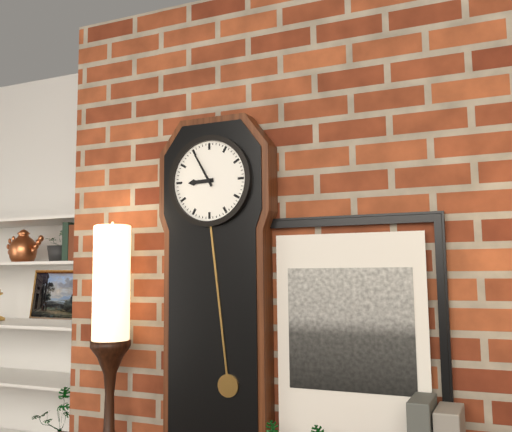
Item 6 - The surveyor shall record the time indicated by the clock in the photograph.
8:55
